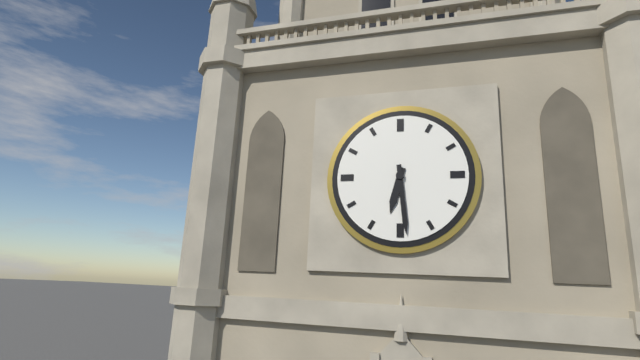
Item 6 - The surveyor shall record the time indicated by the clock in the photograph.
6:29
